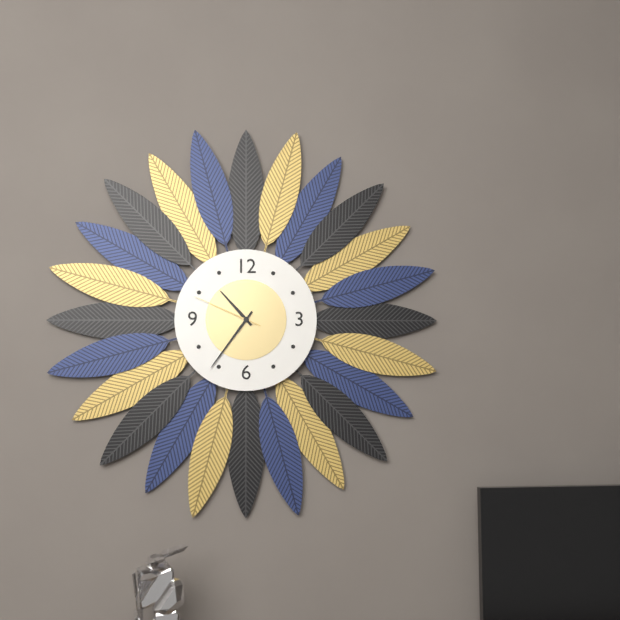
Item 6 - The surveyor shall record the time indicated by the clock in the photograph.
10:36:49
